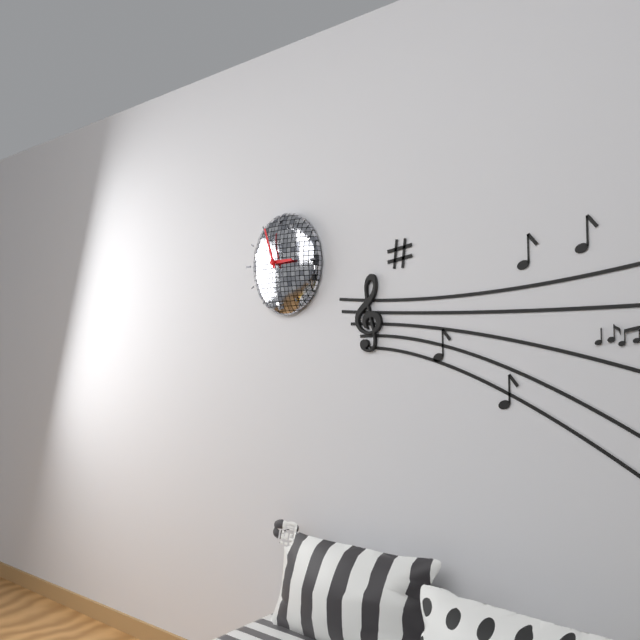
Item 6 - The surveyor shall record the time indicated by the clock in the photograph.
2:57
